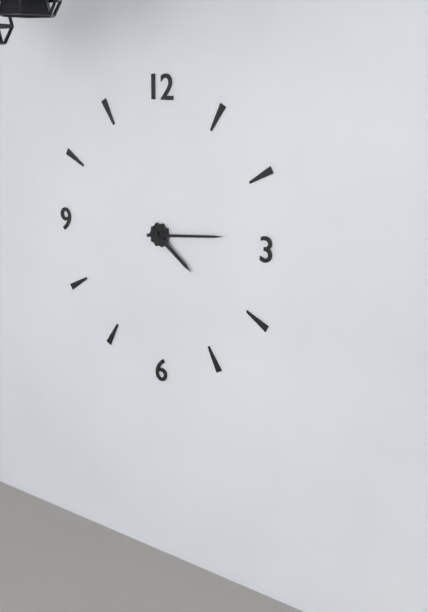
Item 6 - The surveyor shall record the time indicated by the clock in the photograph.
4:14
